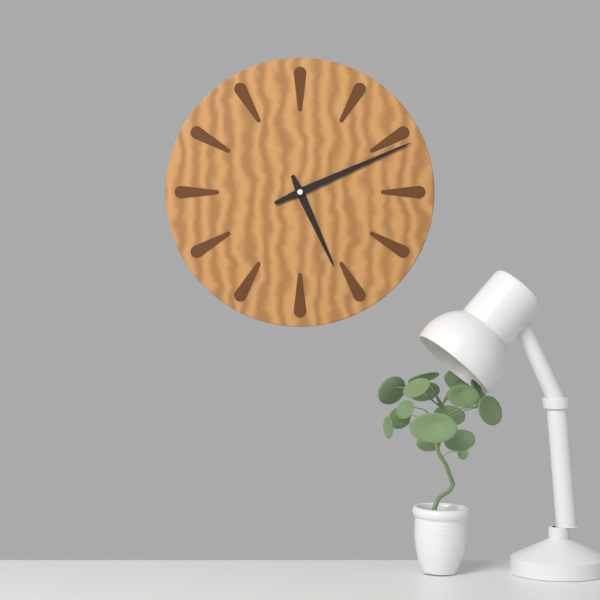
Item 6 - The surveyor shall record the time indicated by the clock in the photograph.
5:11
